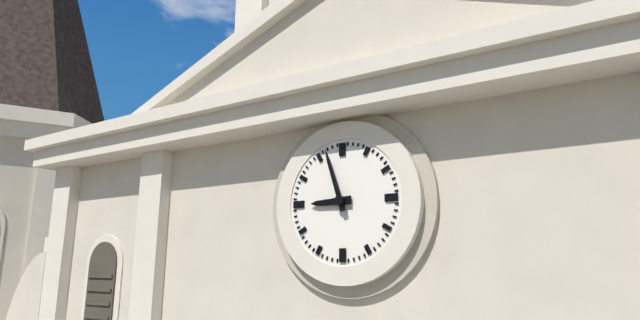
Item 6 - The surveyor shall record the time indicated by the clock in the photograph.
8:57
